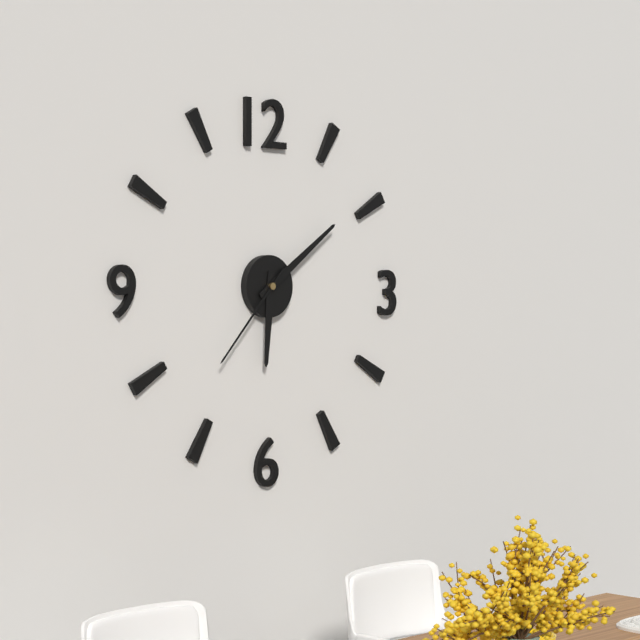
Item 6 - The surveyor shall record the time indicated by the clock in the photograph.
6:09:37
